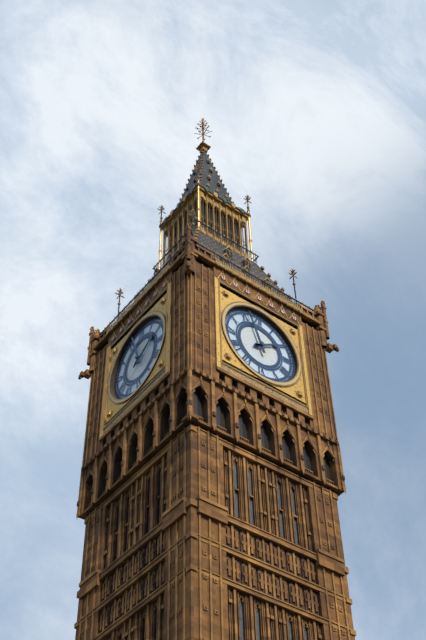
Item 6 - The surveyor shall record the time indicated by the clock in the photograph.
1:57
